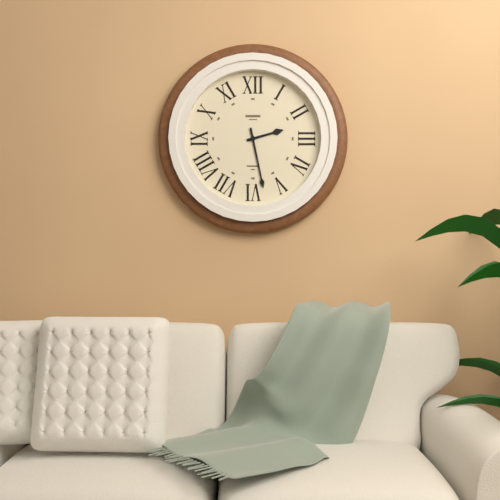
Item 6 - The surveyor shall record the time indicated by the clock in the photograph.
2:28
